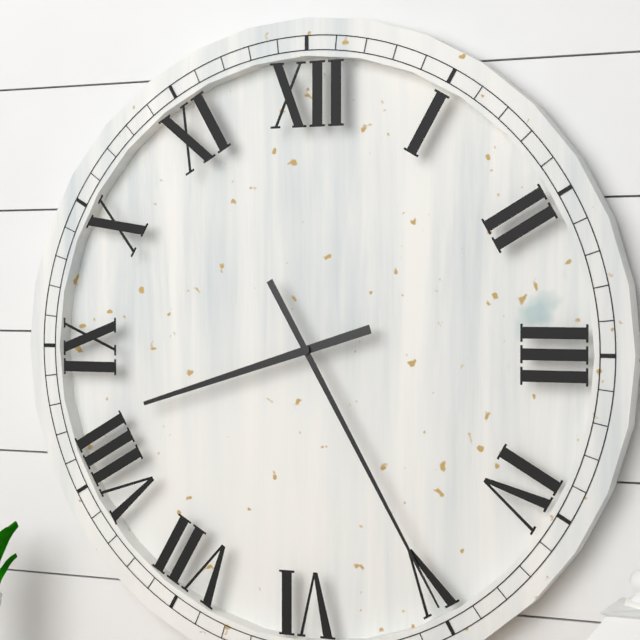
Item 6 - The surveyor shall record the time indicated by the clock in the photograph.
8:25
